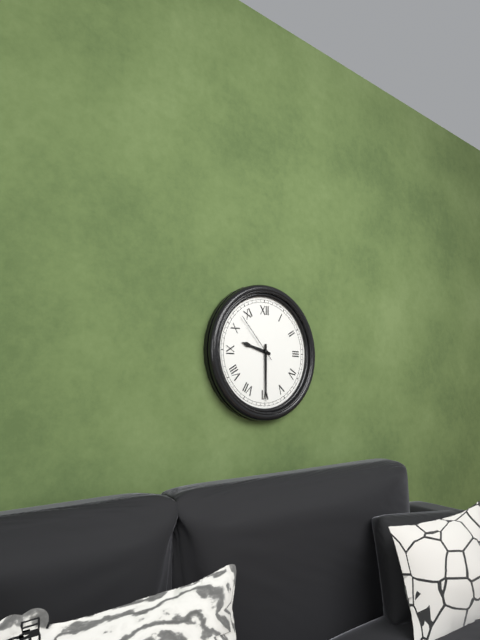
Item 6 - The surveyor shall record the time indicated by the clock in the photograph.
9:30:53
